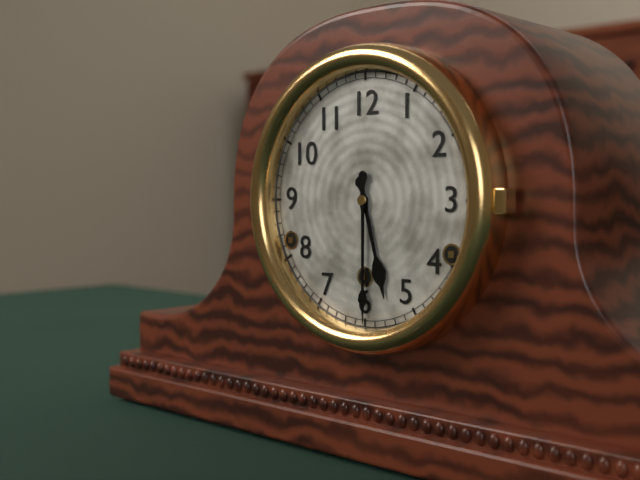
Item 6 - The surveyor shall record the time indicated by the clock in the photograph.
5:30
